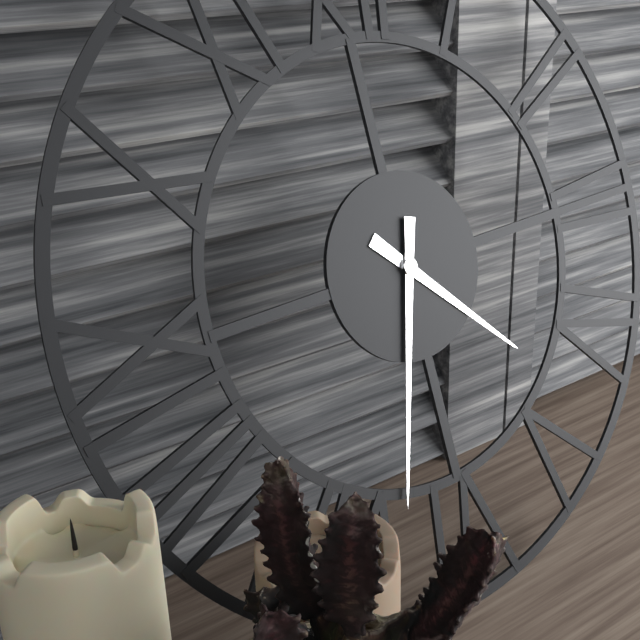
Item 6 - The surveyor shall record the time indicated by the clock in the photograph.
4:33
